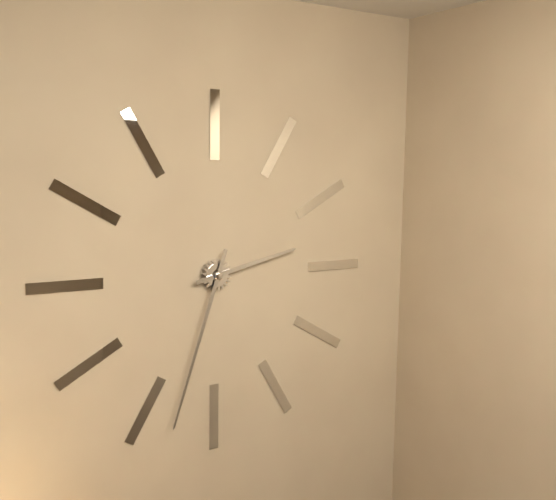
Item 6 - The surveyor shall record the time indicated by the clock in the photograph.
2:33
